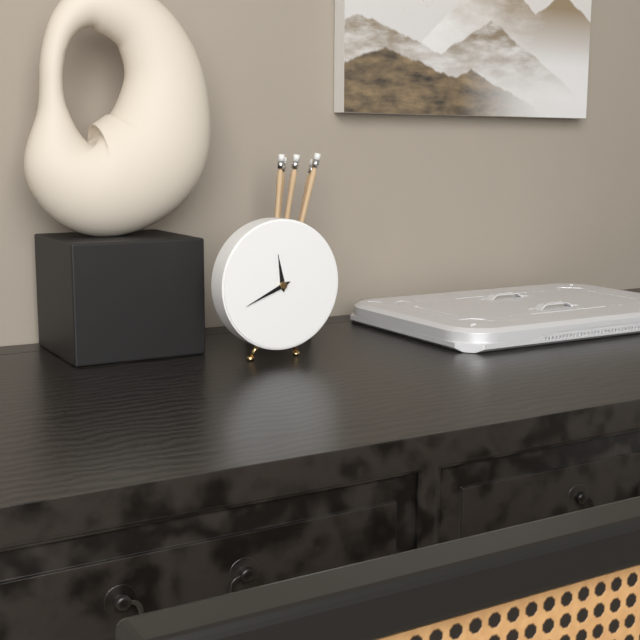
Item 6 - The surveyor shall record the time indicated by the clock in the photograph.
11:41
